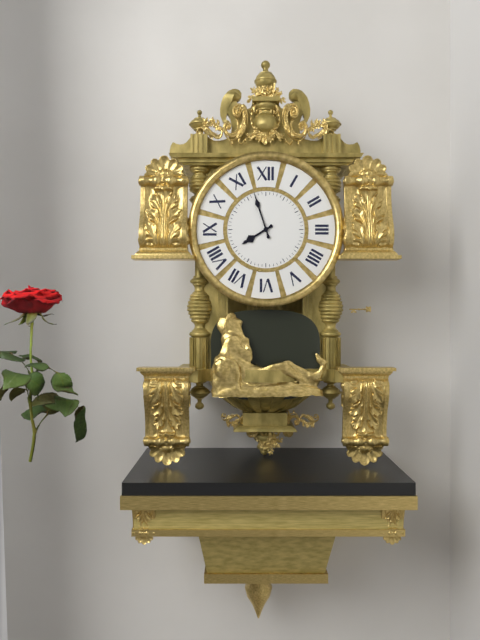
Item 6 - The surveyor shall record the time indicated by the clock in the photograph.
7:57
